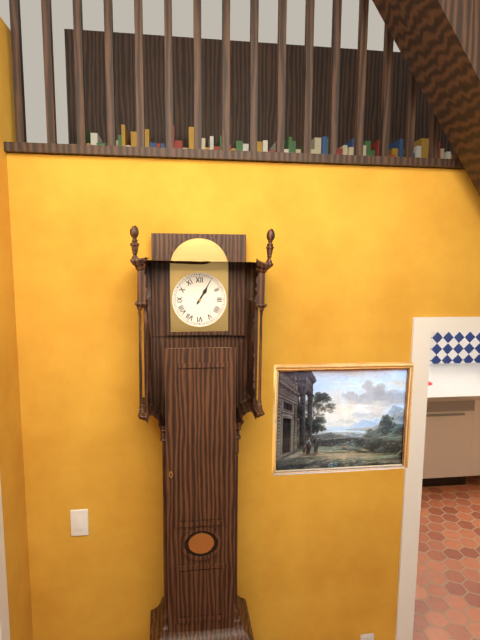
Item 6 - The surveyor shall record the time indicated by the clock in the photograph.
1:05
